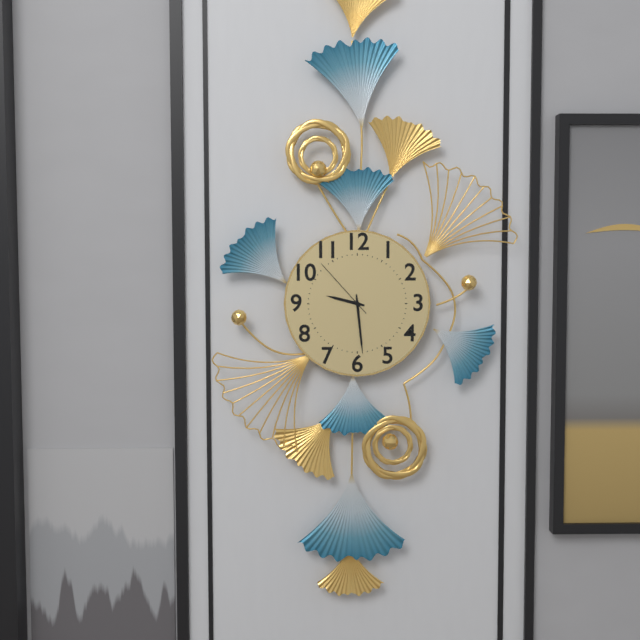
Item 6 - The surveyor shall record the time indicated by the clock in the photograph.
9:29:53
